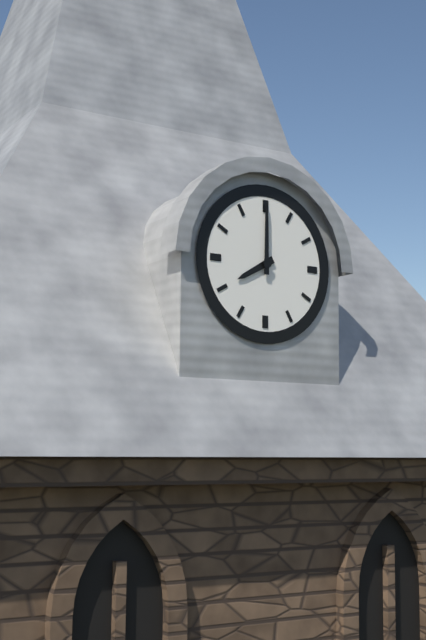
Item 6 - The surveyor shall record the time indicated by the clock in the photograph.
8:00
